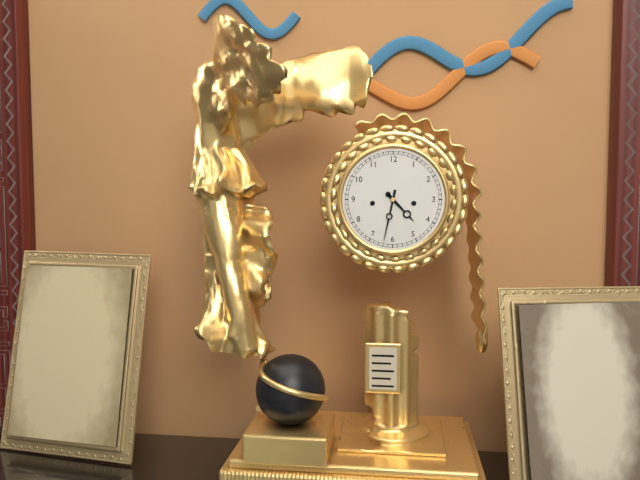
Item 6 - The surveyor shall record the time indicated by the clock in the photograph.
4:32
